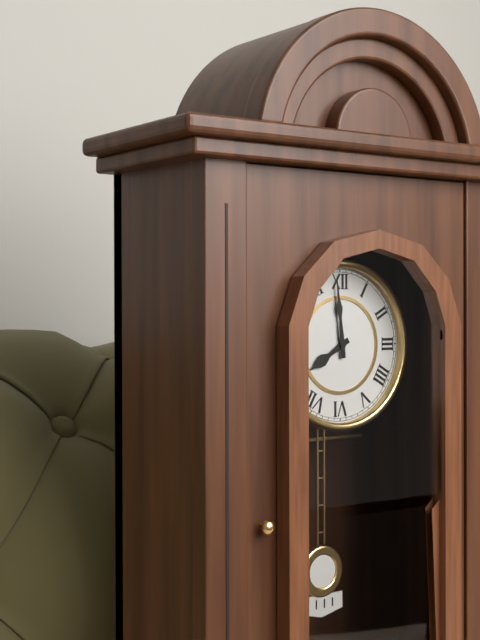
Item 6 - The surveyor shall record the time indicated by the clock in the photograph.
7:59
